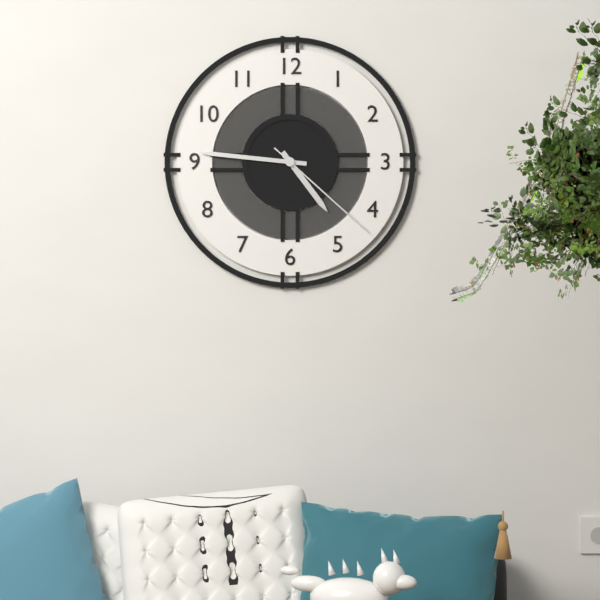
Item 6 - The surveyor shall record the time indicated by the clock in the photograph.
4:46:22
